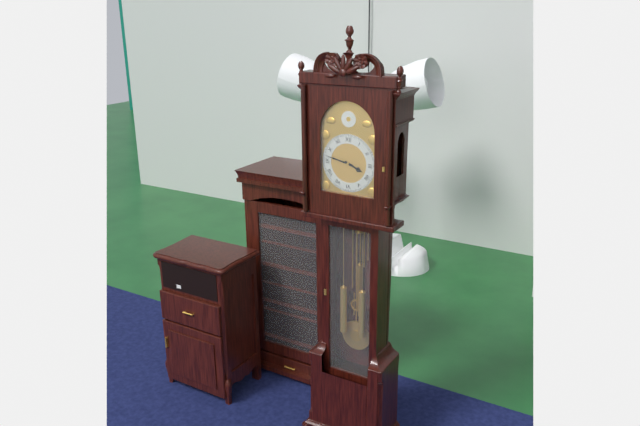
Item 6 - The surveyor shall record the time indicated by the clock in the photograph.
3:47
